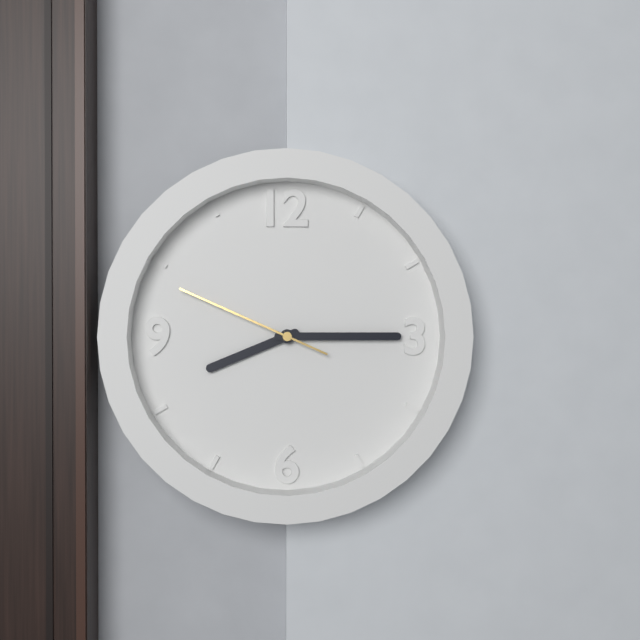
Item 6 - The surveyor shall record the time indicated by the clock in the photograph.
8:15:49
